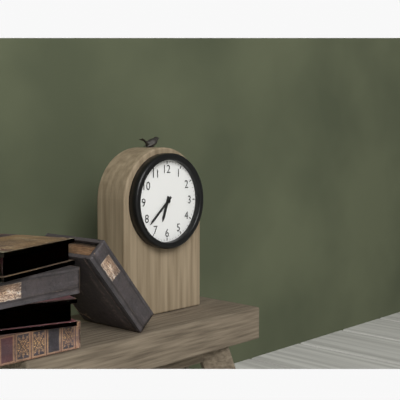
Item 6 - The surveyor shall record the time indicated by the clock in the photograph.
6:38
